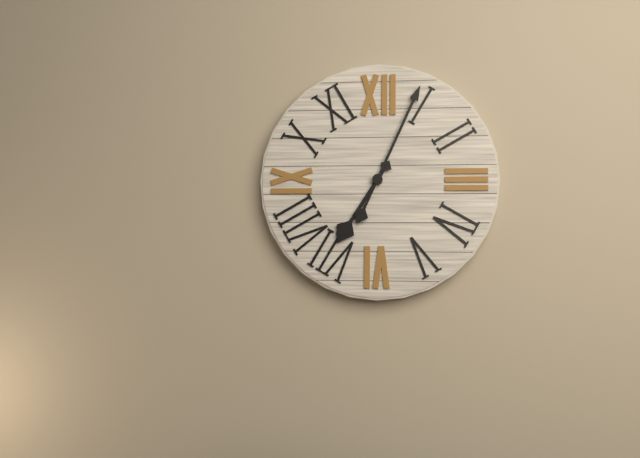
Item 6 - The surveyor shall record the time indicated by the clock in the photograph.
7:04
